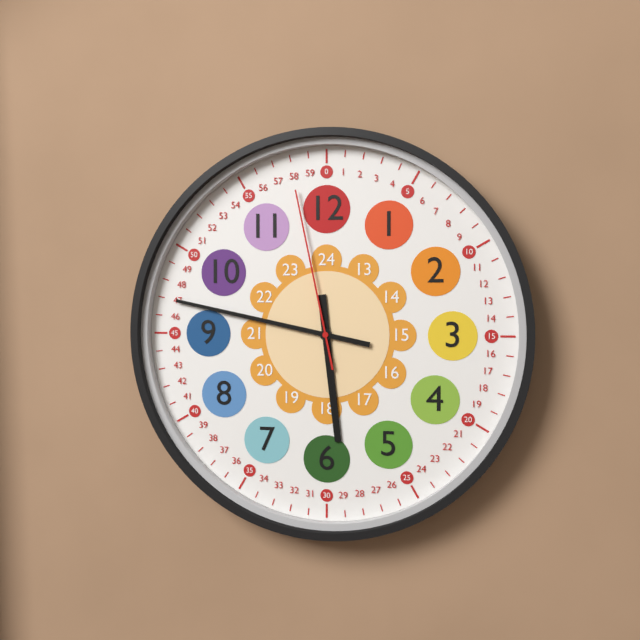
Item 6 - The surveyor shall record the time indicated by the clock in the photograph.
5:47:58
